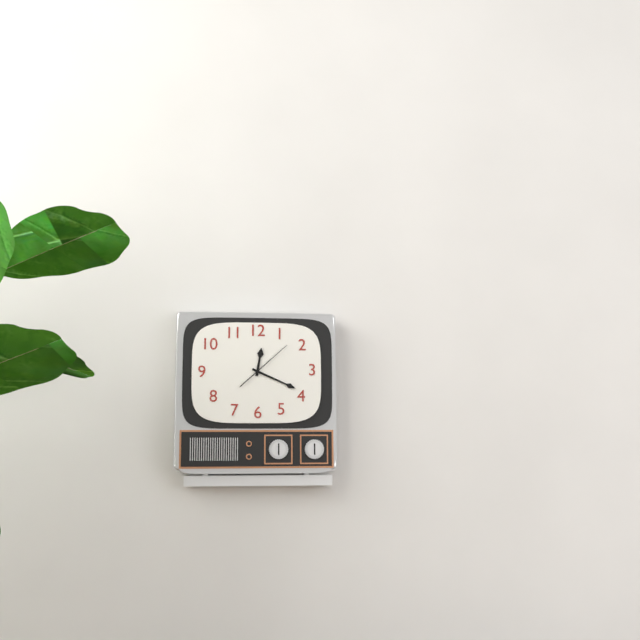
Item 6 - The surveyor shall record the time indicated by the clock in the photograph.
12:19
